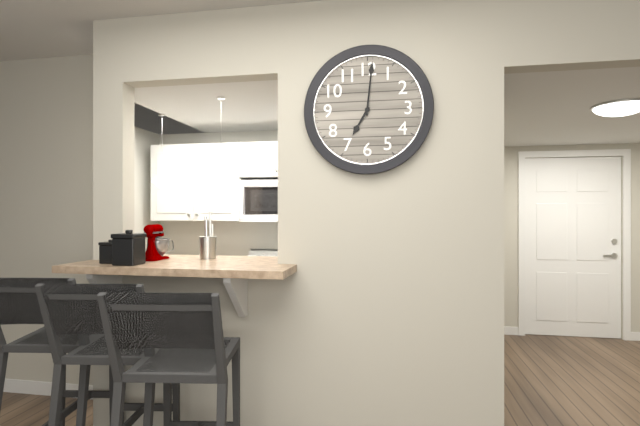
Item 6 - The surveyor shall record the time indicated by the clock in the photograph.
7:01
